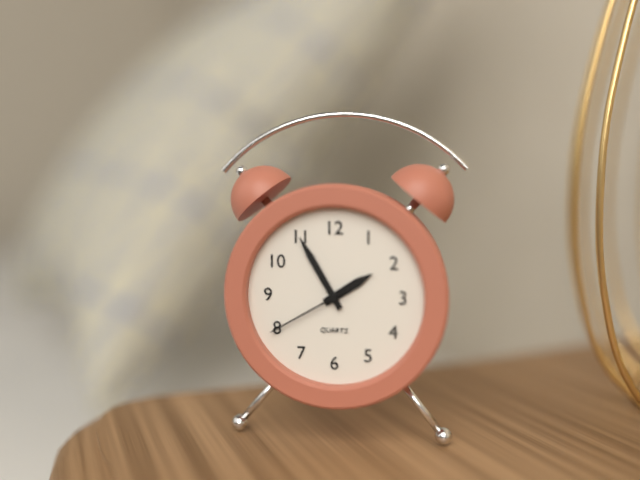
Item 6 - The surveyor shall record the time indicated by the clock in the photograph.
1:55:40
